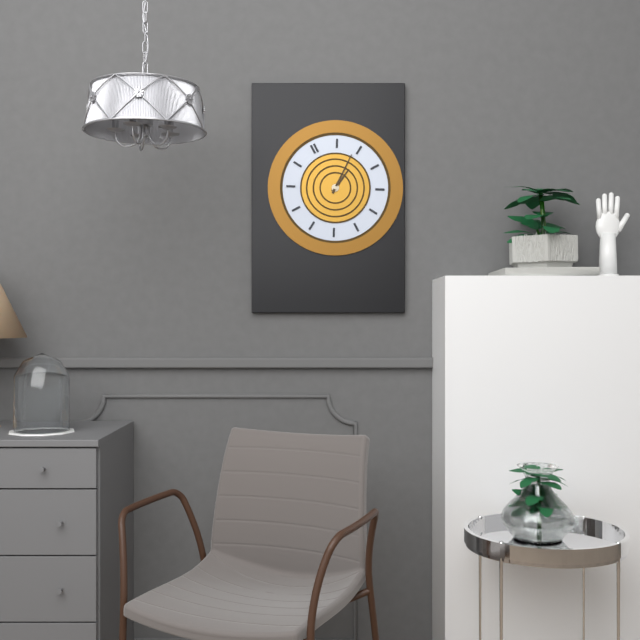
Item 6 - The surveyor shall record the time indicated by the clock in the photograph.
2:09
